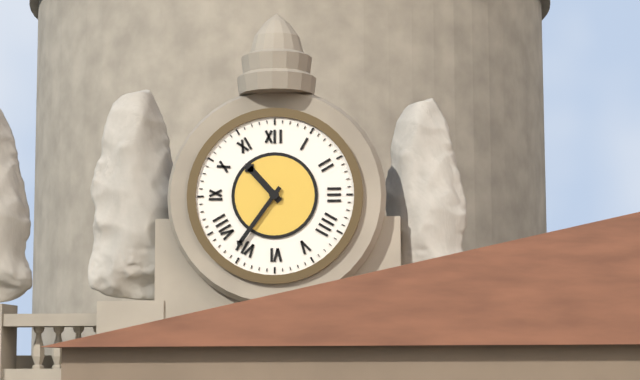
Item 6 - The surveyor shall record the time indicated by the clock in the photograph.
10:36
